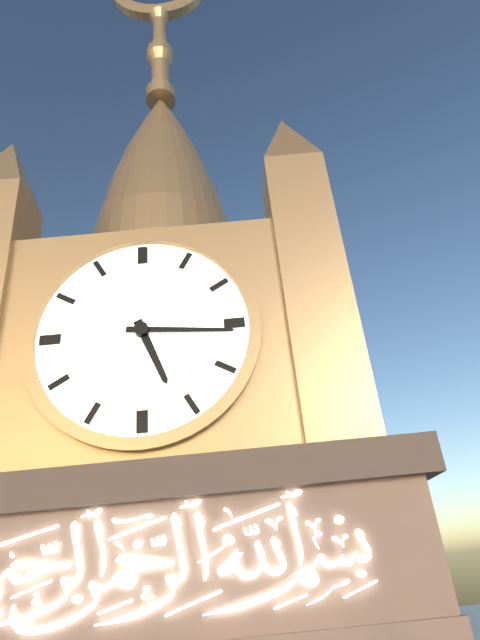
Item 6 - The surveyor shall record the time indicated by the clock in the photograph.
5:16
